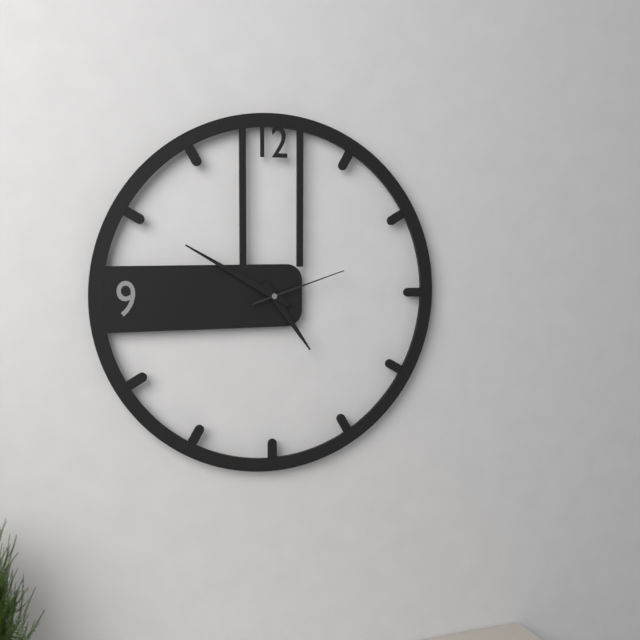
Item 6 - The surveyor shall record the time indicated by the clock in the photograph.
4:50:12
